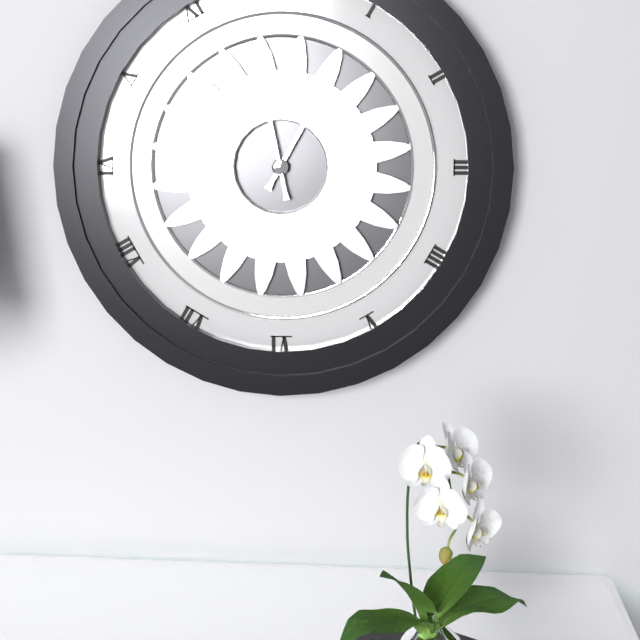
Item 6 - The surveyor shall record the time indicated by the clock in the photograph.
12:58
